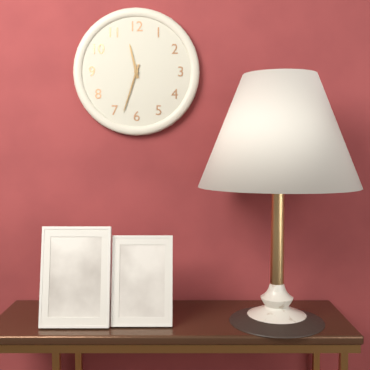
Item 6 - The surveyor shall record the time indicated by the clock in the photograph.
11:33
